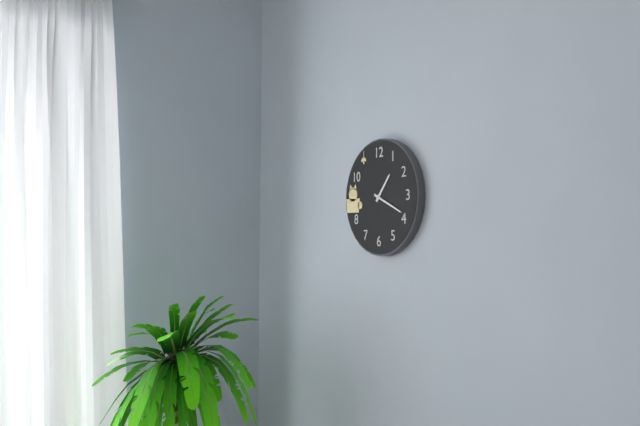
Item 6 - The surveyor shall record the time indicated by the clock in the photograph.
1:19
